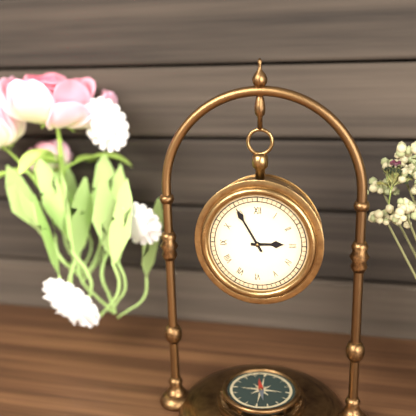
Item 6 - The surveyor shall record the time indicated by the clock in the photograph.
2:55
